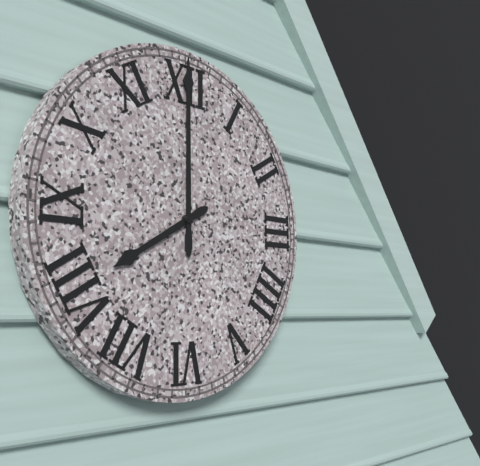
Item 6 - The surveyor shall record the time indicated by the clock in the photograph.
8:00
